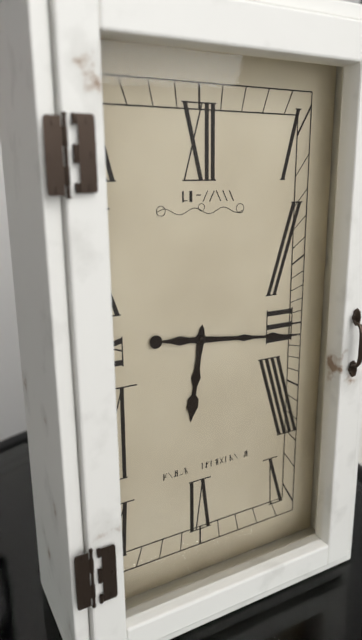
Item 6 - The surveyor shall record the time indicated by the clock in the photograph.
6:16
